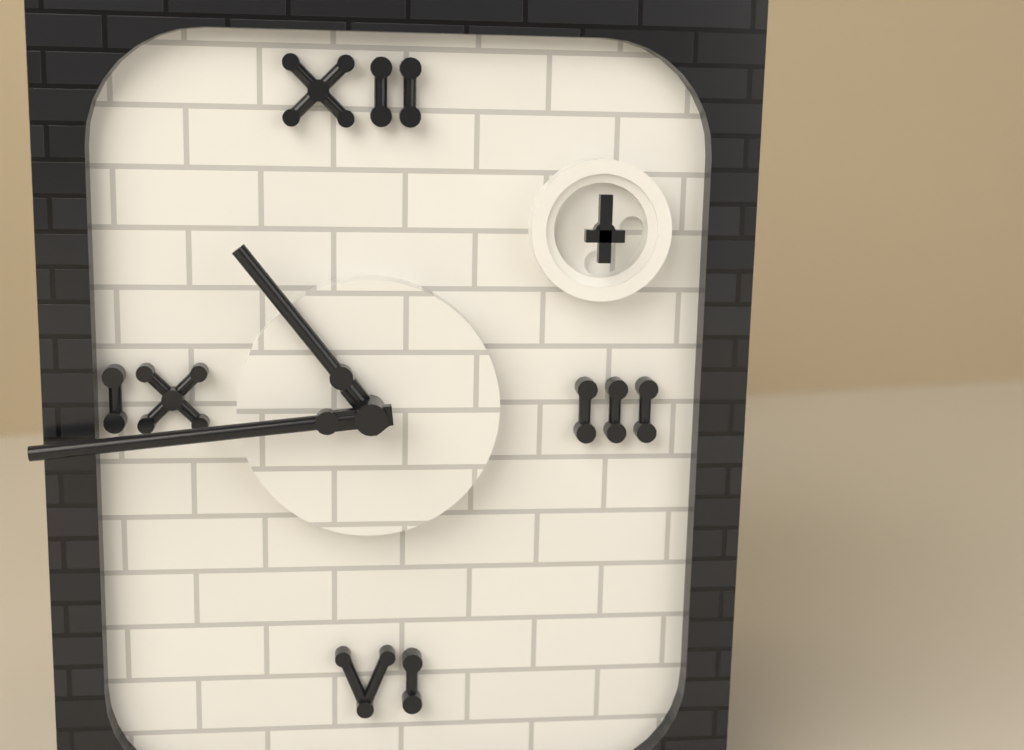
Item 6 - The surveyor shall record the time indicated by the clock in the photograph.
10:44
